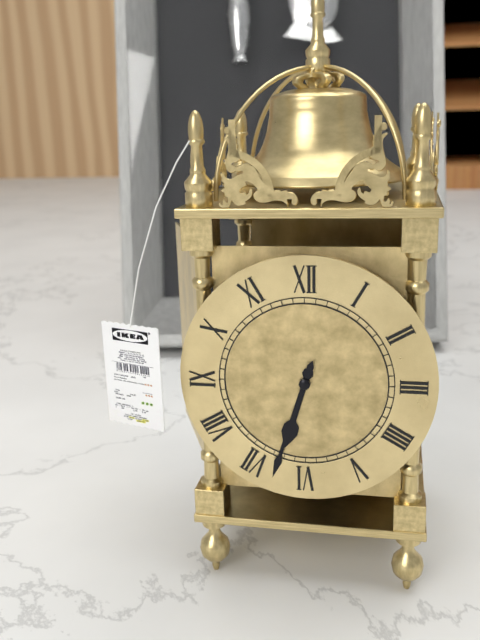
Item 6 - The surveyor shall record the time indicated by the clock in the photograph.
6:33
